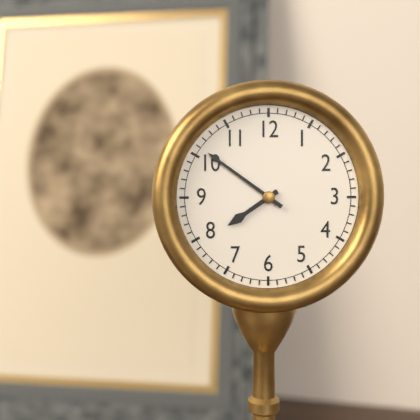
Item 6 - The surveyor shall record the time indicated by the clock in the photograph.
7:51
